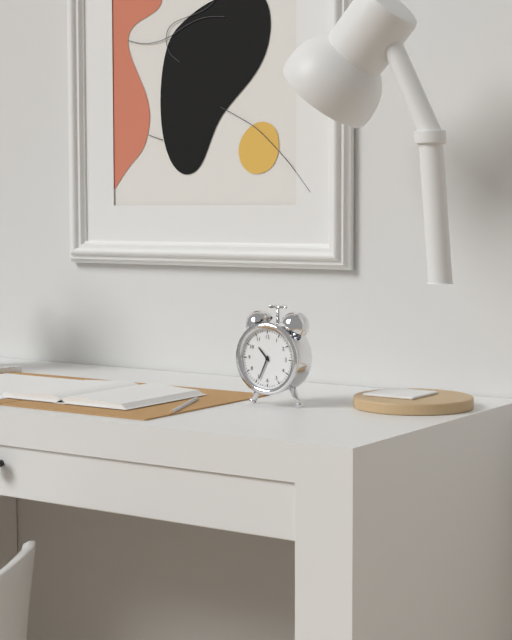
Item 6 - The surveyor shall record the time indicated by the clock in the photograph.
10:34
